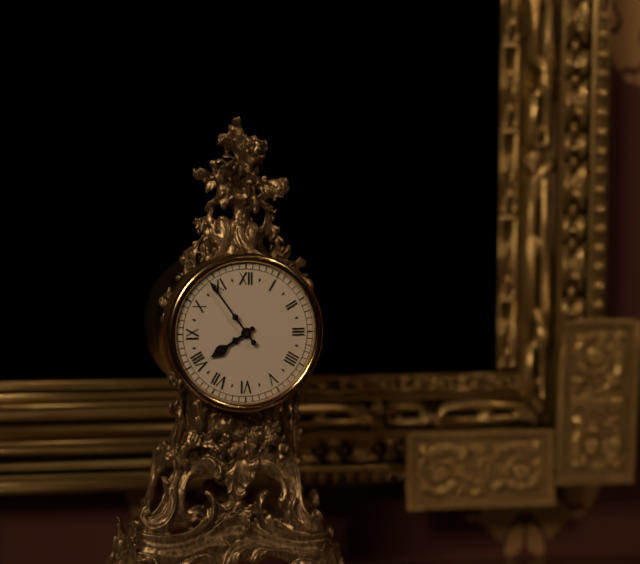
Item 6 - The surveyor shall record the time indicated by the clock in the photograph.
7:54
